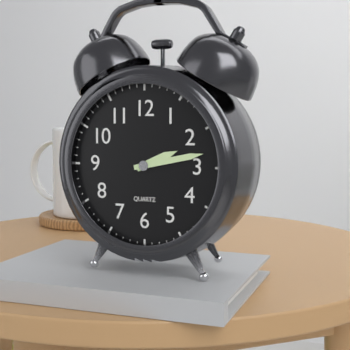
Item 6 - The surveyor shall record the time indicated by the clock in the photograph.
2:13
